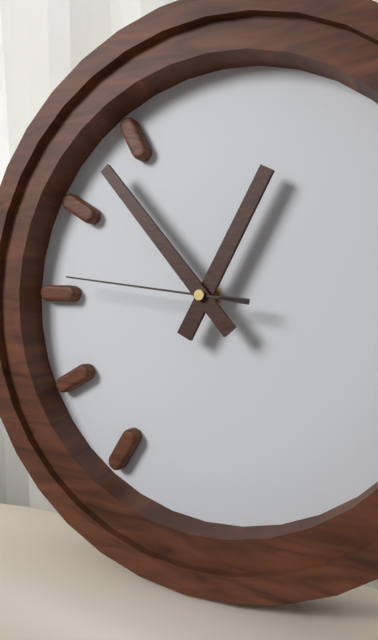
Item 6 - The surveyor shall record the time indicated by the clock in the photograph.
12:53:46
